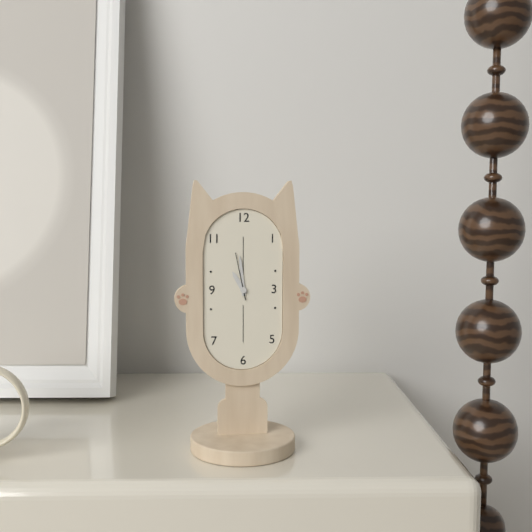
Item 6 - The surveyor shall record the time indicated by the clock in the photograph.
10:59
